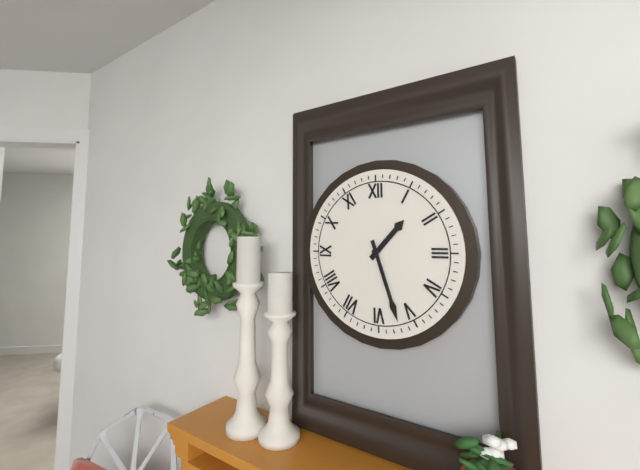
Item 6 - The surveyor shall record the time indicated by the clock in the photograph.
1:27
